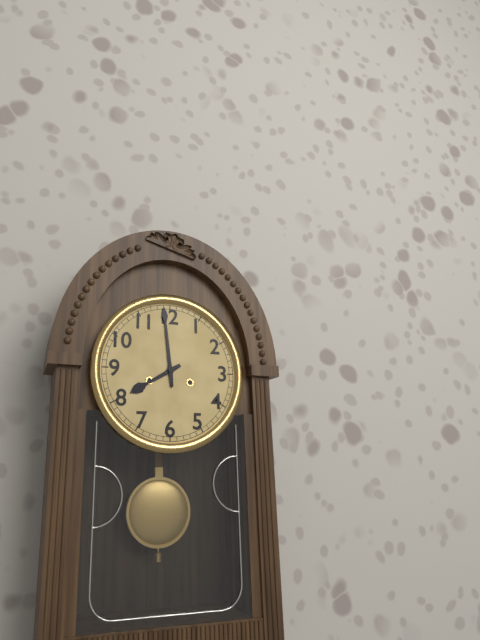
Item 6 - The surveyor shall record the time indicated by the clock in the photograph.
7:59
